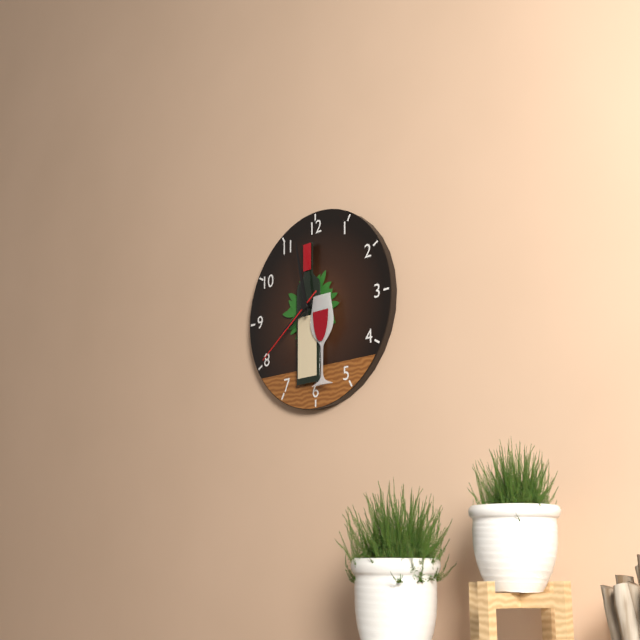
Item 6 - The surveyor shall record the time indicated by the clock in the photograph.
7:58:39
